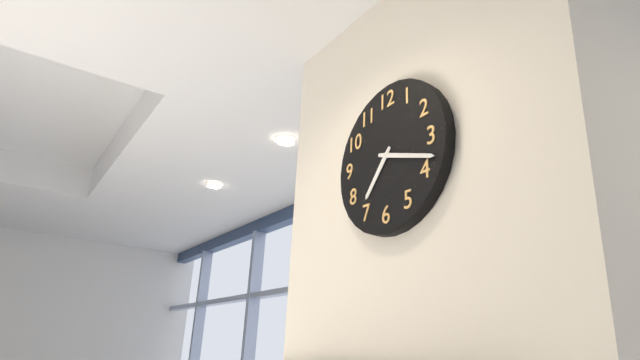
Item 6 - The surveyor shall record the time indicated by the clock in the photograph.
7:18
